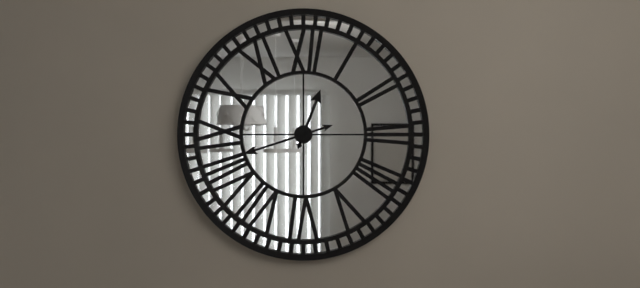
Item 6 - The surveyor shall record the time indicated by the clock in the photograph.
12:42
